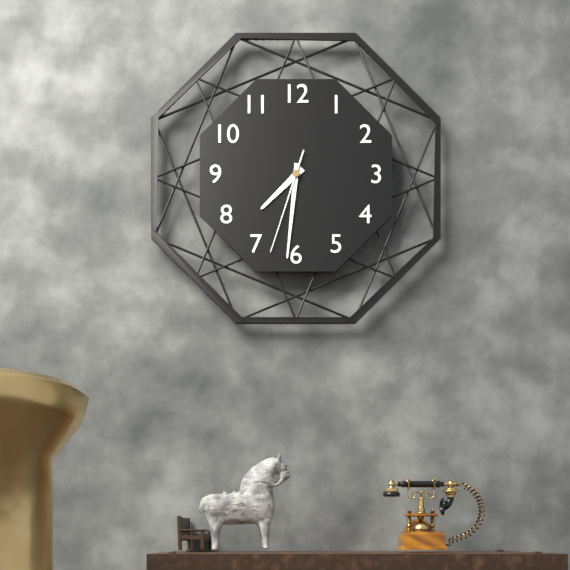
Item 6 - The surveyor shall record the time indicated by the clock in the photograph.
7:31:33
